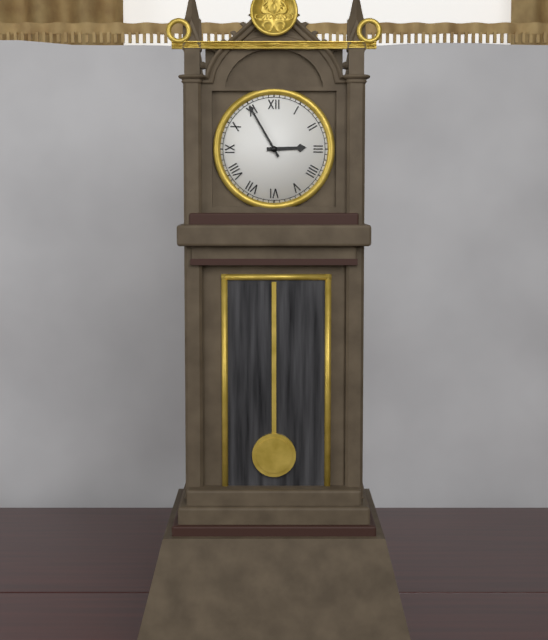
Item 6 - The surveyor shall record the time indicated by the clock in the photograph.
2:55
